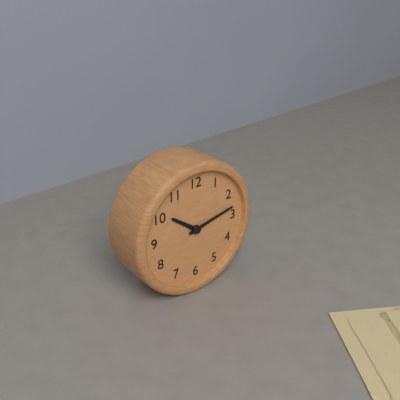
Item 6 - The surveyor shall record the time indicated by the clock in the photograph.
10:13
